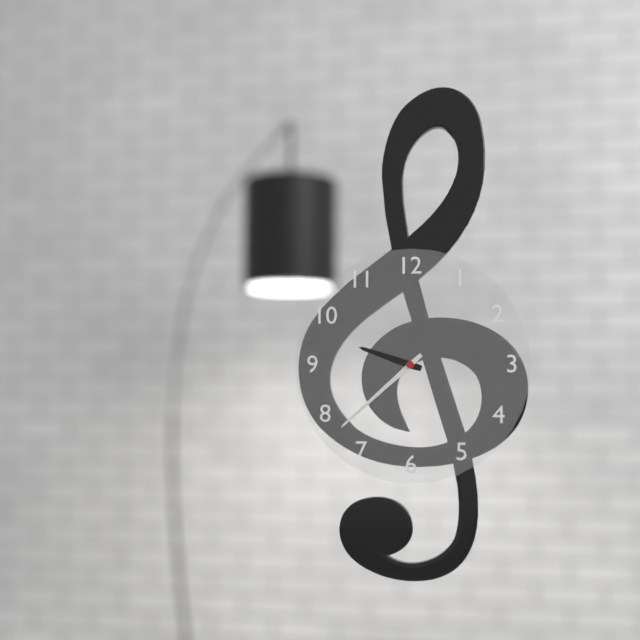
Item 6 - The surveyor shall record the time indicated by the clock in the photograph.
9:38
